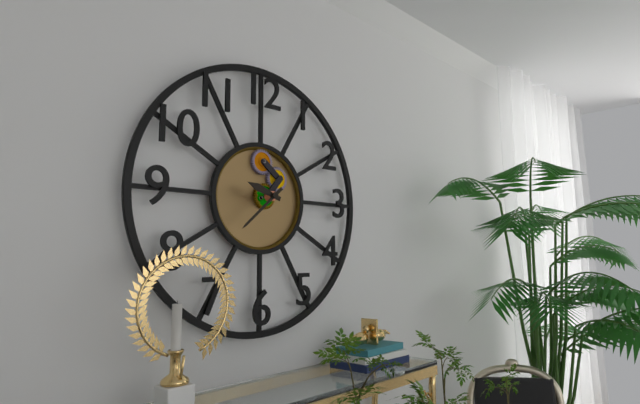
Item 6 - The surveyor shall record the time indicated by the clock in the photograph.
9:38
